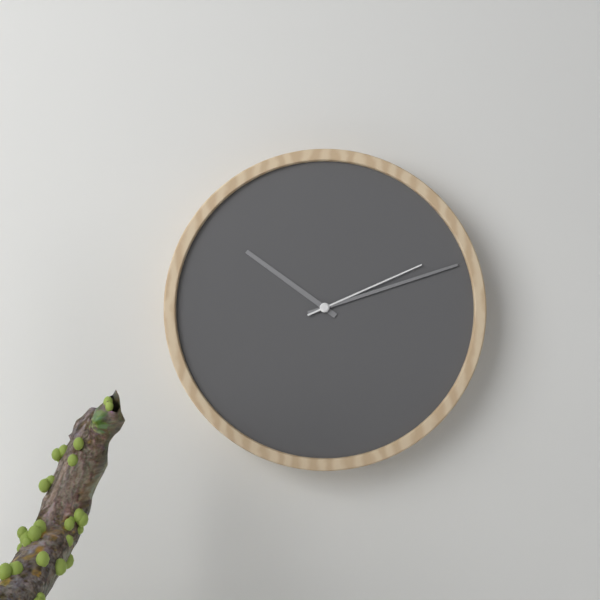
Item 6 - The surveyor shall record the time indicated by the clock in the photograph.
10:12:11
